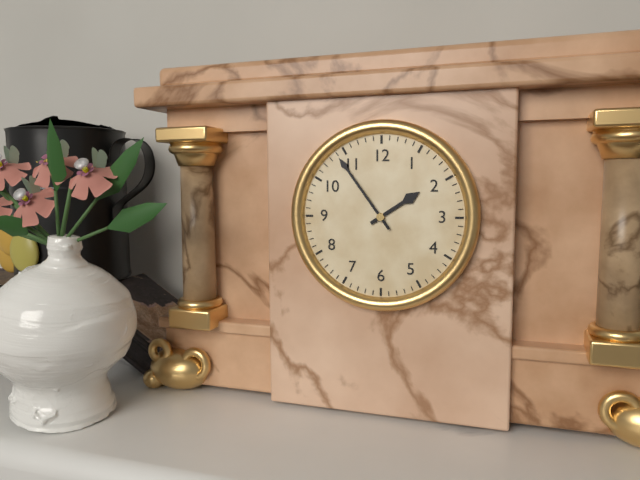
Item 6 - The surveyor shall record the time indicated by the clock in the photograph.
1:54
